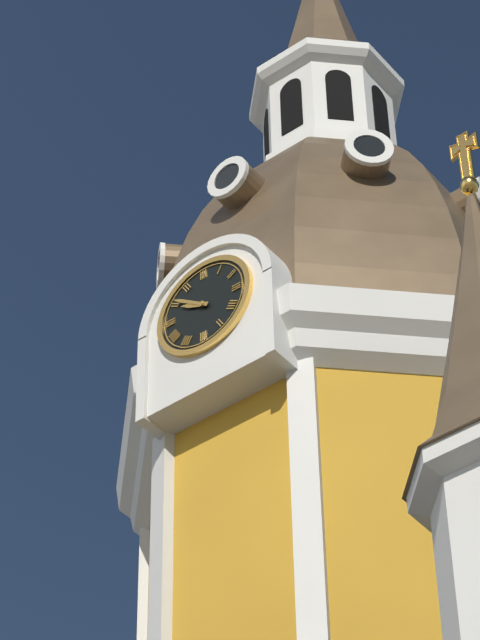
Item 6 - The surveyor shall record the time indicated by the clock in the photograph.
9:51
